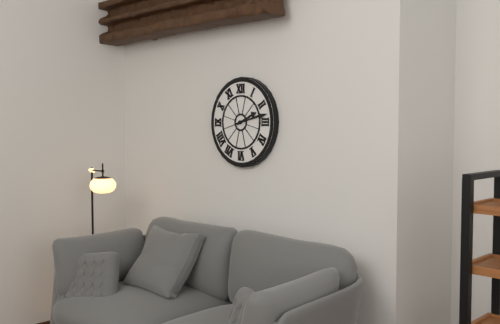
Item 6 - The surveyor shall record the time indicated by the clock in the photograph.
2:13
